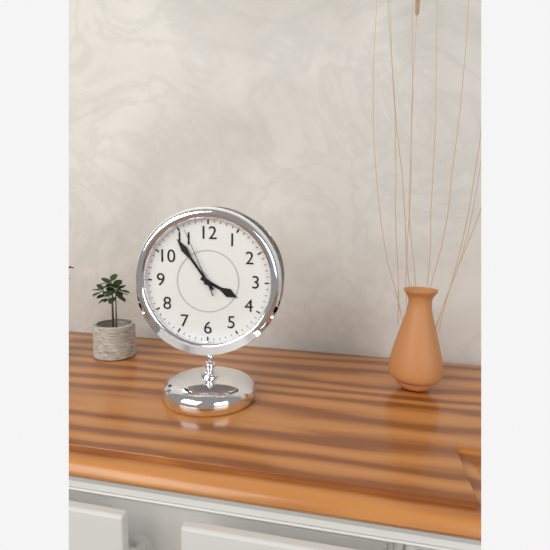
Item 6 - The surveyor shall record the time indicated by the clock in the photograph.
3:54:56
